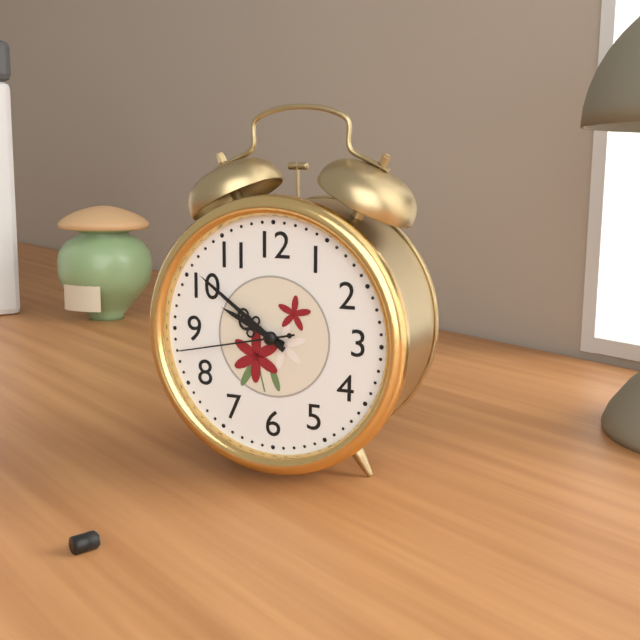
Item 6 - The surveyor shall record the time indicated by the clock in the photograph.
9:51:43
